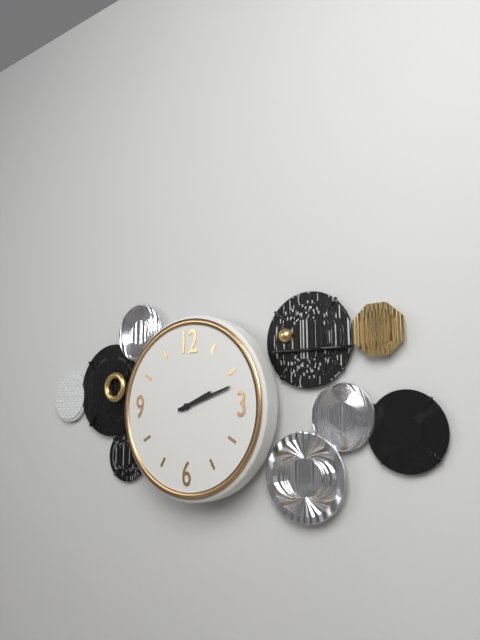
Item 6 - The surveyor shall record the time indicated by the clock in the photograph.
2:12
